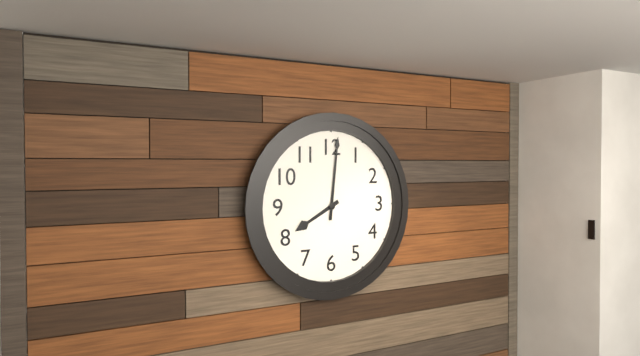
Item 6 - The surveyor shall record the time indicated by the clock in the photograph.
8:01
